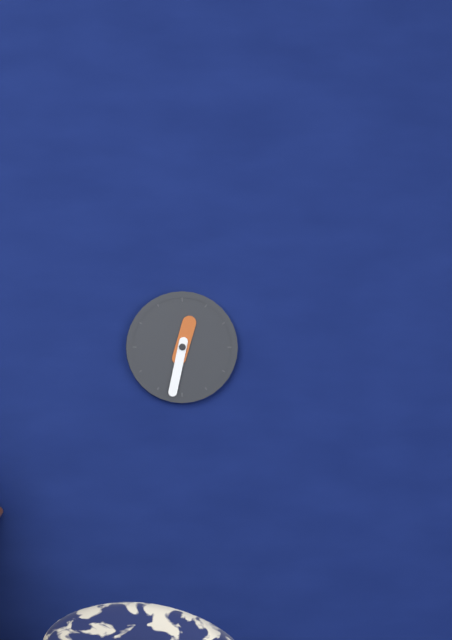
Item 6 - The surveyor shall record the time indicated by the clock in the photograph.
12:32
